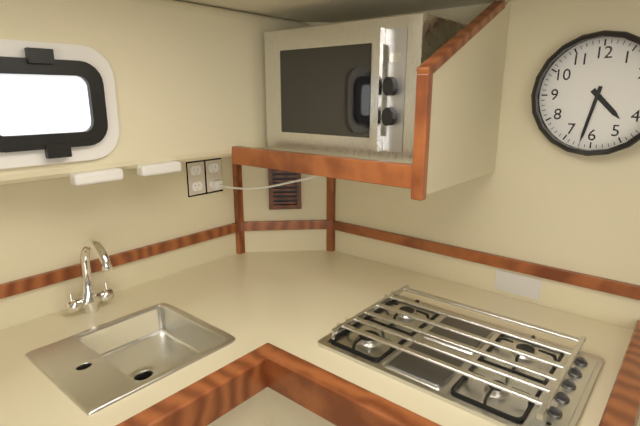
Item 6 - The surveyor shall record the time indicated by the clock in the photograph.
4:32
